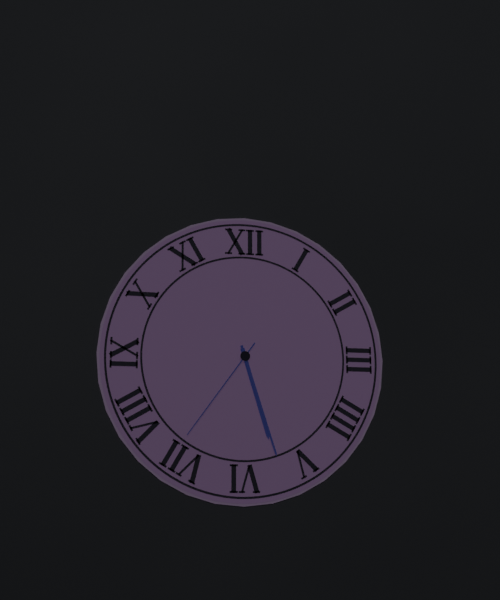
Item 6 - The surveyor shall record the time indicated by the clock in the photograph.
5:27:36
